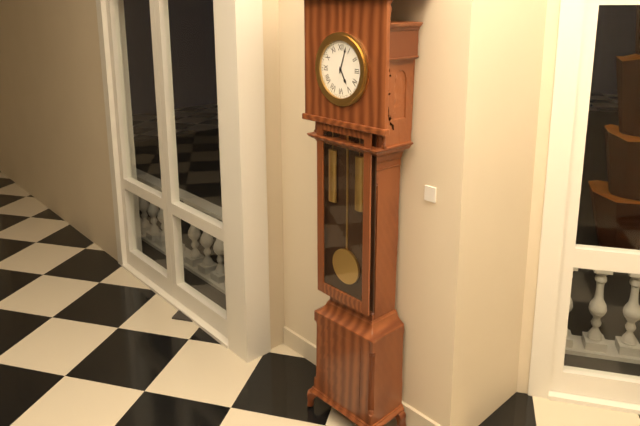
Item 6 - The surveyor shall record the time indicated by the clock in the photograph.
5:03
